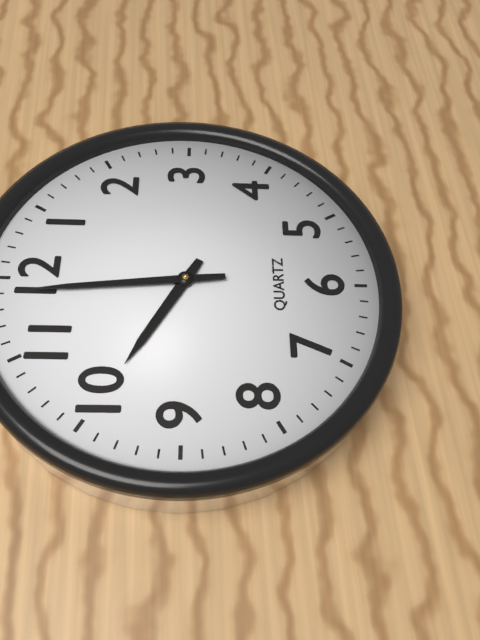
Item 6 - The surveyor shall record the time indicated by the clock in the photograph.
9:59
